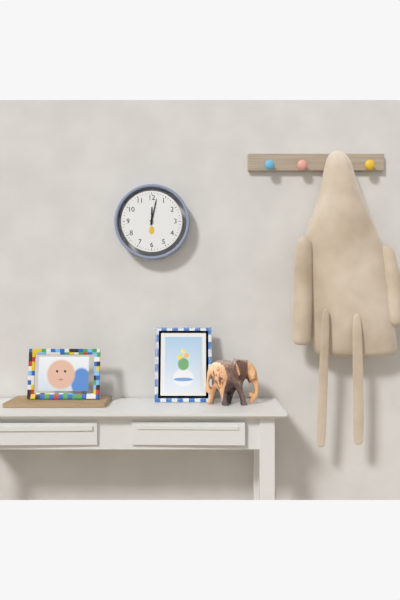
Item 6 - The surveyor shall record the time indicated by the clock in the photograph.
12:02
